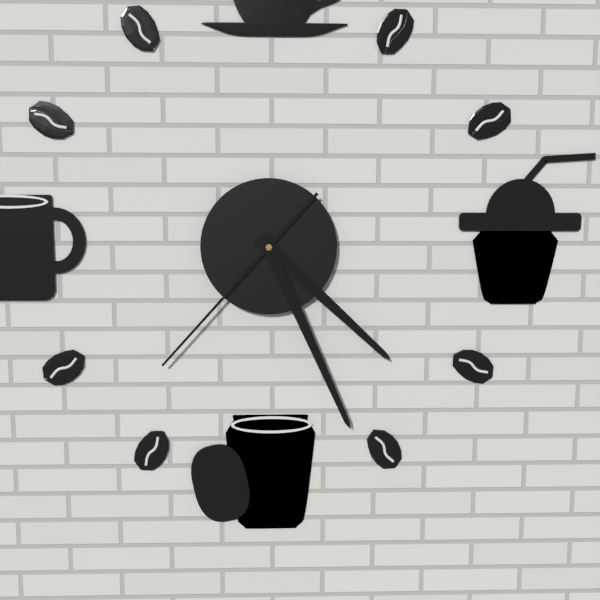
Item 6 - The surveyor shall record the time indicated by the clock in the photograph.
4:26:37
